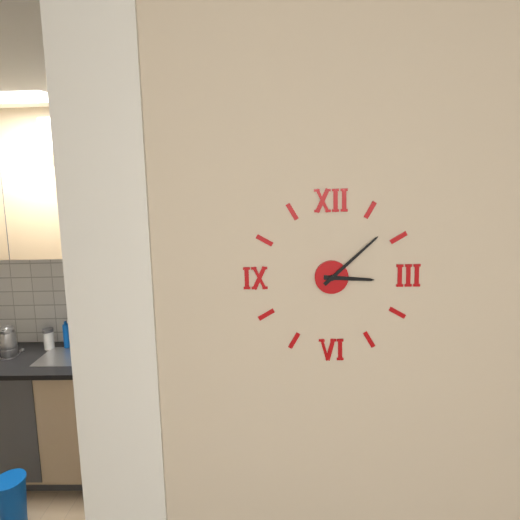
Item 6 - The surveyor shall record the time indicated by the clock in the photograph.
3:08
